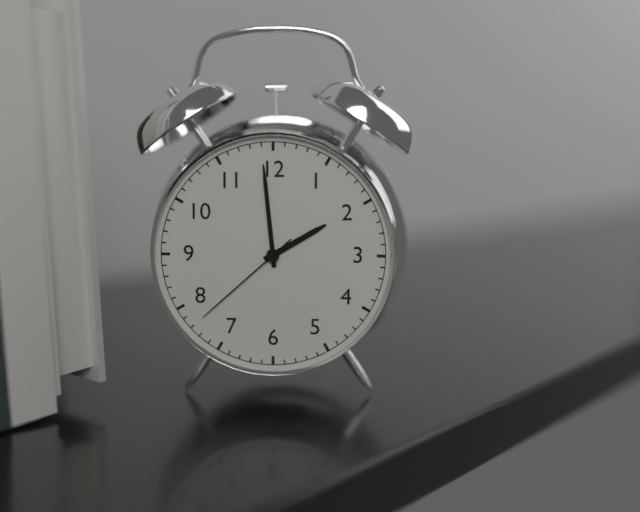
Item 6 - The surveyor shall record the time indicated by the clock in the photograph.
1:59:38
